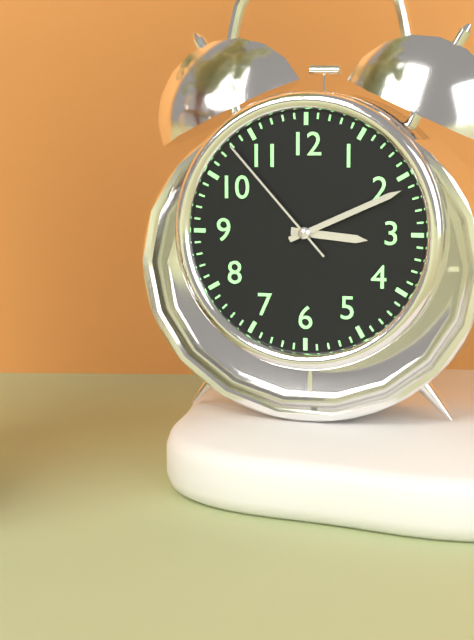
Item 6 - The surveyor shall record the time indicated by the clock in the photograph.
3:11:53
